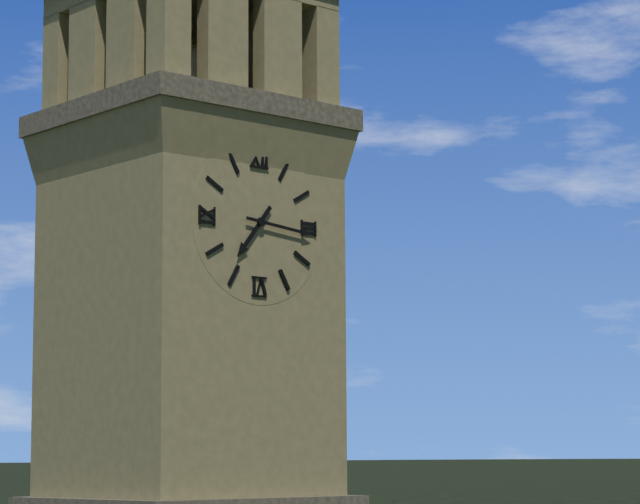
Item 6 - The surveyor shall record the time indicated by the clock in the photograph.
7:16
